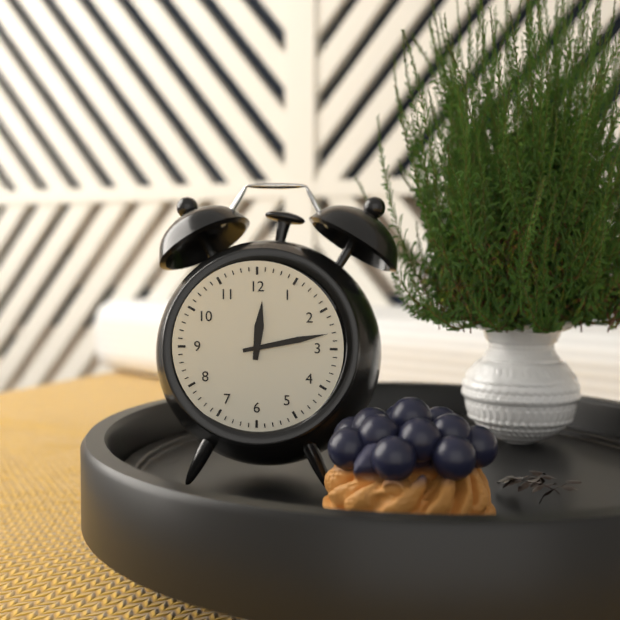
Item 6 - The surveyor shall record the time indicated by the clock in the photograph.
12:13
